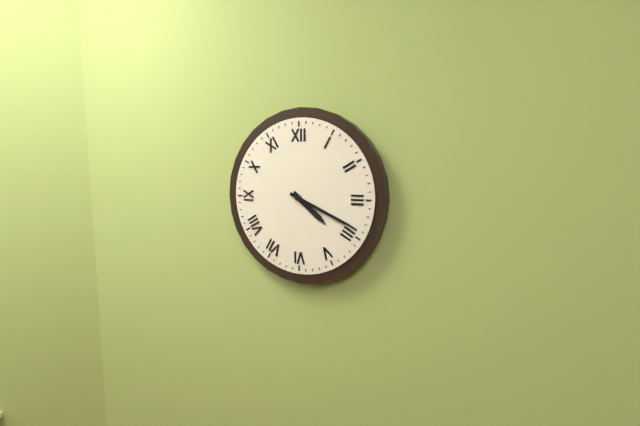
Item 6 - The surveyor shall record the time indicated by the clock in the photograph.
4:19
